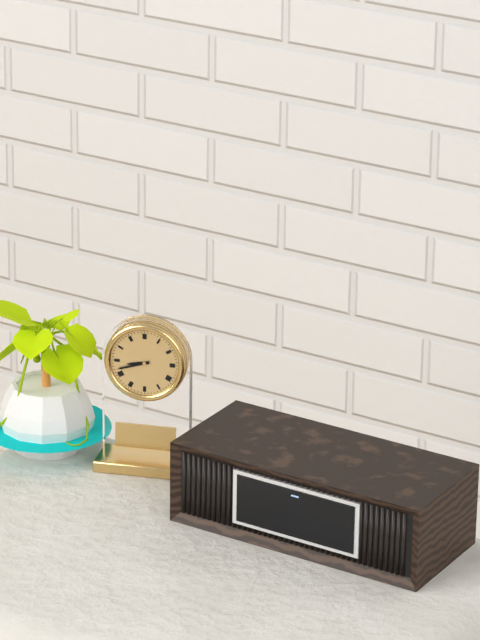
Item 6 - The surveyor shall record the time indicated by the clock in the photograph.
8:42
